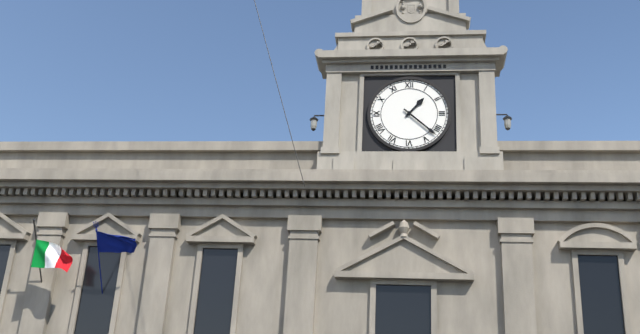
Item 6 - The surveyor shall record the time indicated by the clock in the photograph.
1:22
